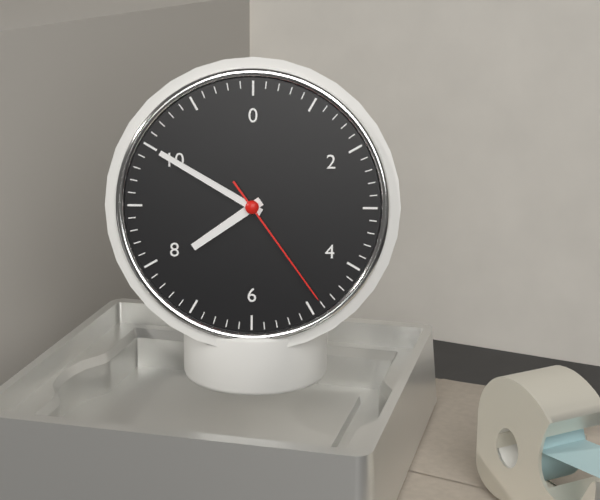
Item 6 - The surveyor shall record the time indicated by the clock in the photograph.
7:50:24
